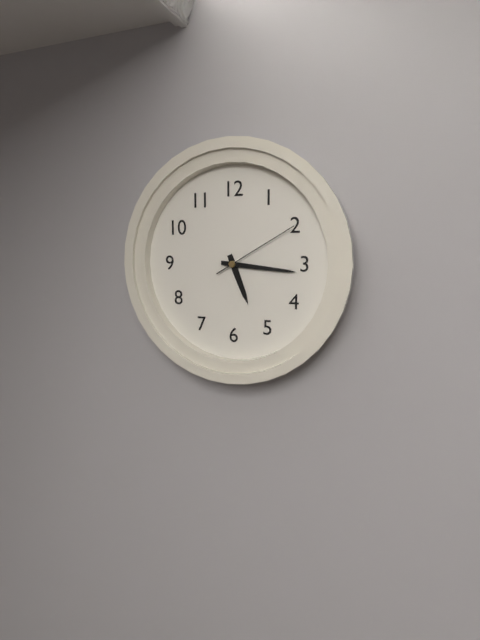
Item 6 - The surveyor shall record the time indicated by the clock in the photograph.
5:16:10
